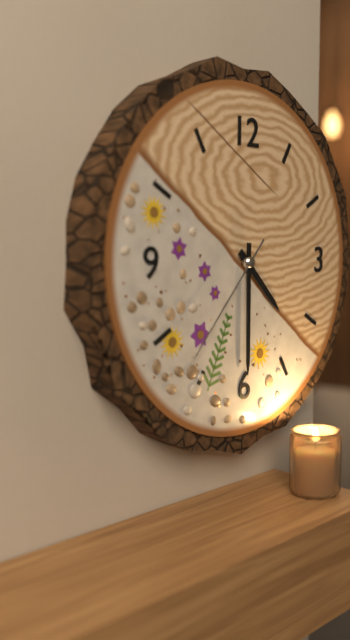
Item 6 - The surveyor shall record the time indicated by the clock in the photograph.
4:30:37
